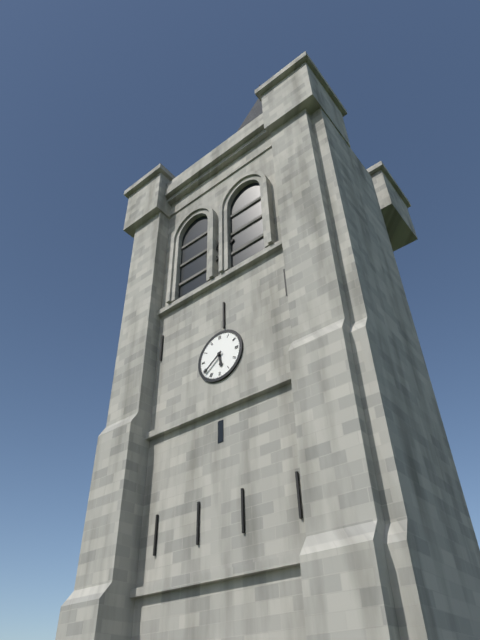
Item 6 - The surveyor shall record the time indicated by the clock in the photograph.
5:39
